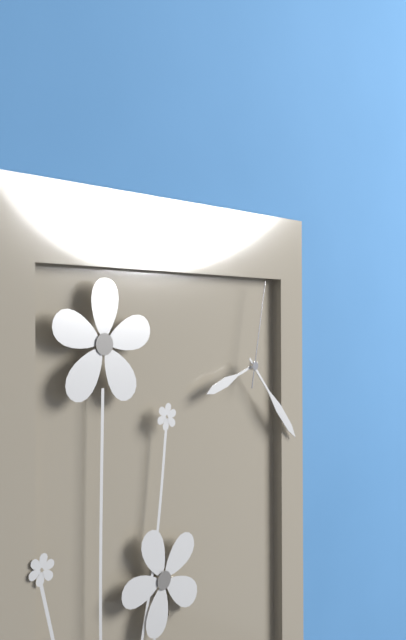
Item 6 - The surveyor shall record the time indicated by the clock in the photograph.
8:23:02
